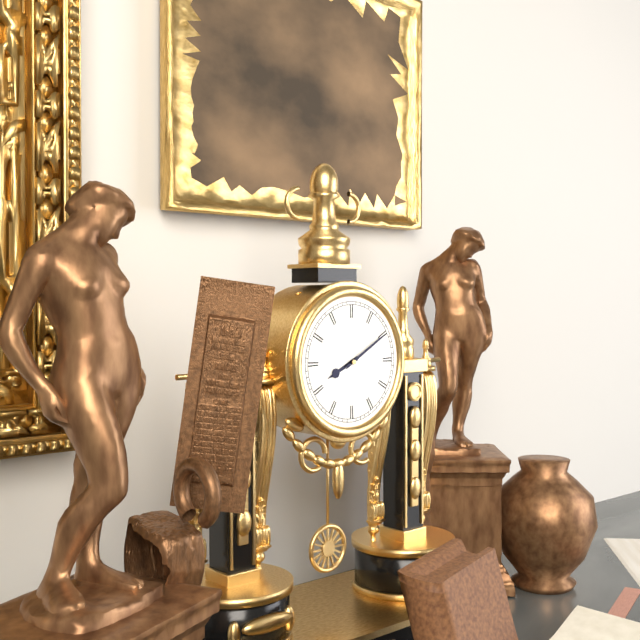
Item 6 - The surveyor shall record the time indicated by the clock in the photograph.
8:10
